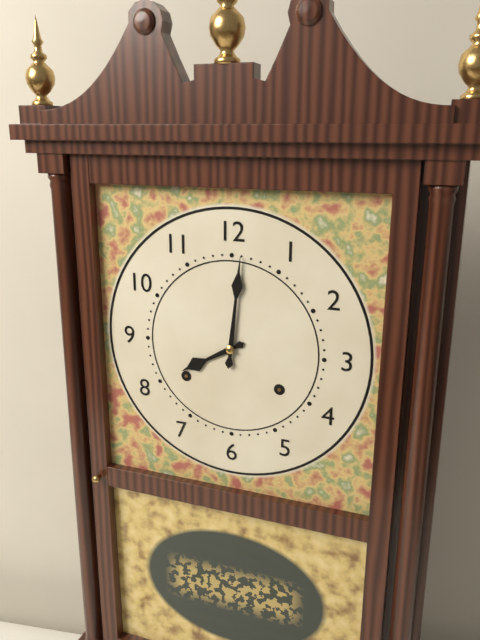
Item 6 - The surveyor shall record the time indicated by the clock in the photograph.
8:01
